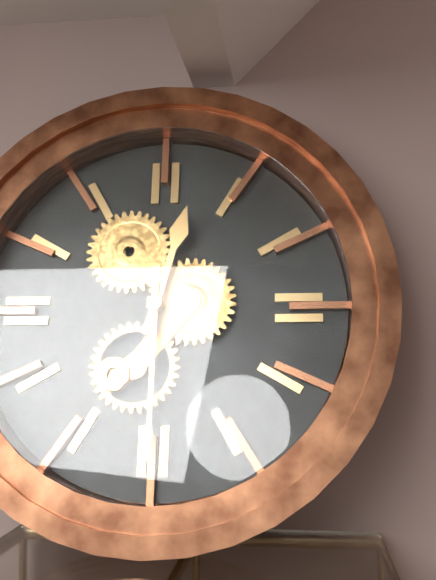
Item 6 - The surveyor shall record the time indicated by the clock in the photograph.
12:30
